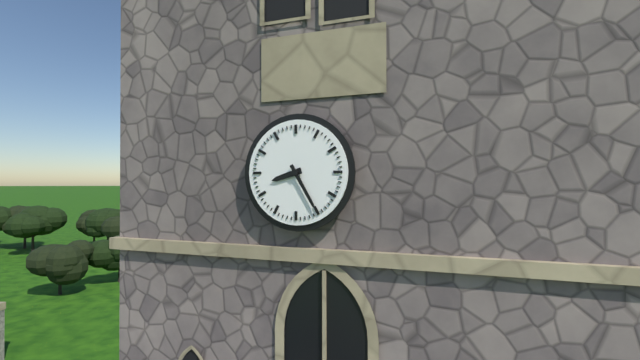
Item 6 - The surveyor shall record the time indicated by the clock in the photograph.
8:25
